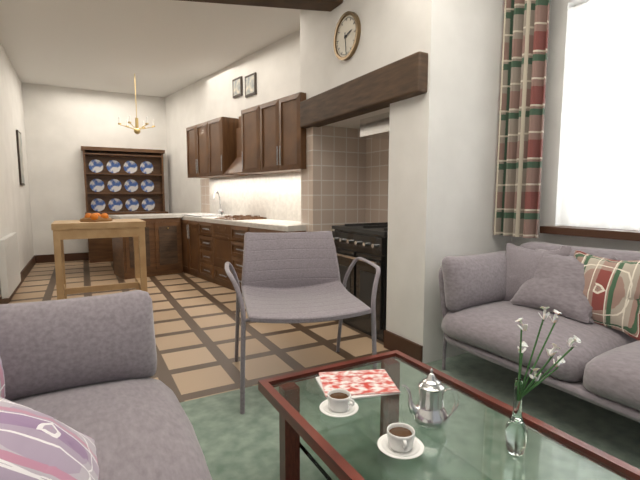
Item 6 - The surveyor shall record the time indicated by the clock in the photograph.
2:29
